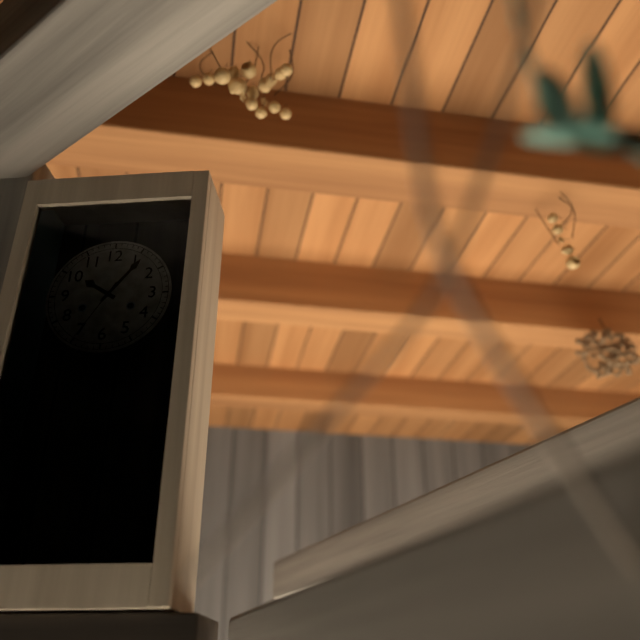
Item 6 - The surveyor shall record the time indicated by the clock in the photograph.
10:06:35
